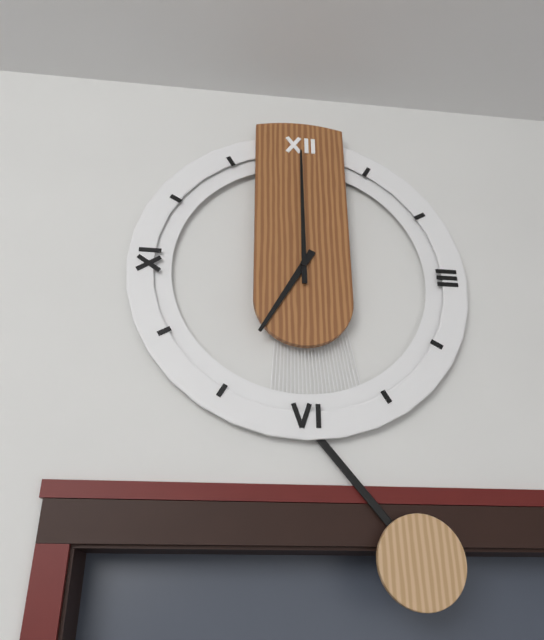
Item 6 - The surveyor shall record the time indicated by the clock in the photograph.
7:00
